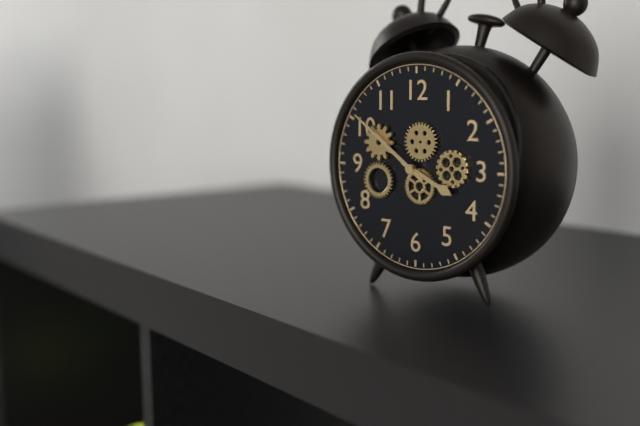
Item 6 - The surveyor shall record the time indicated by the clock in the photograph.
3:51
